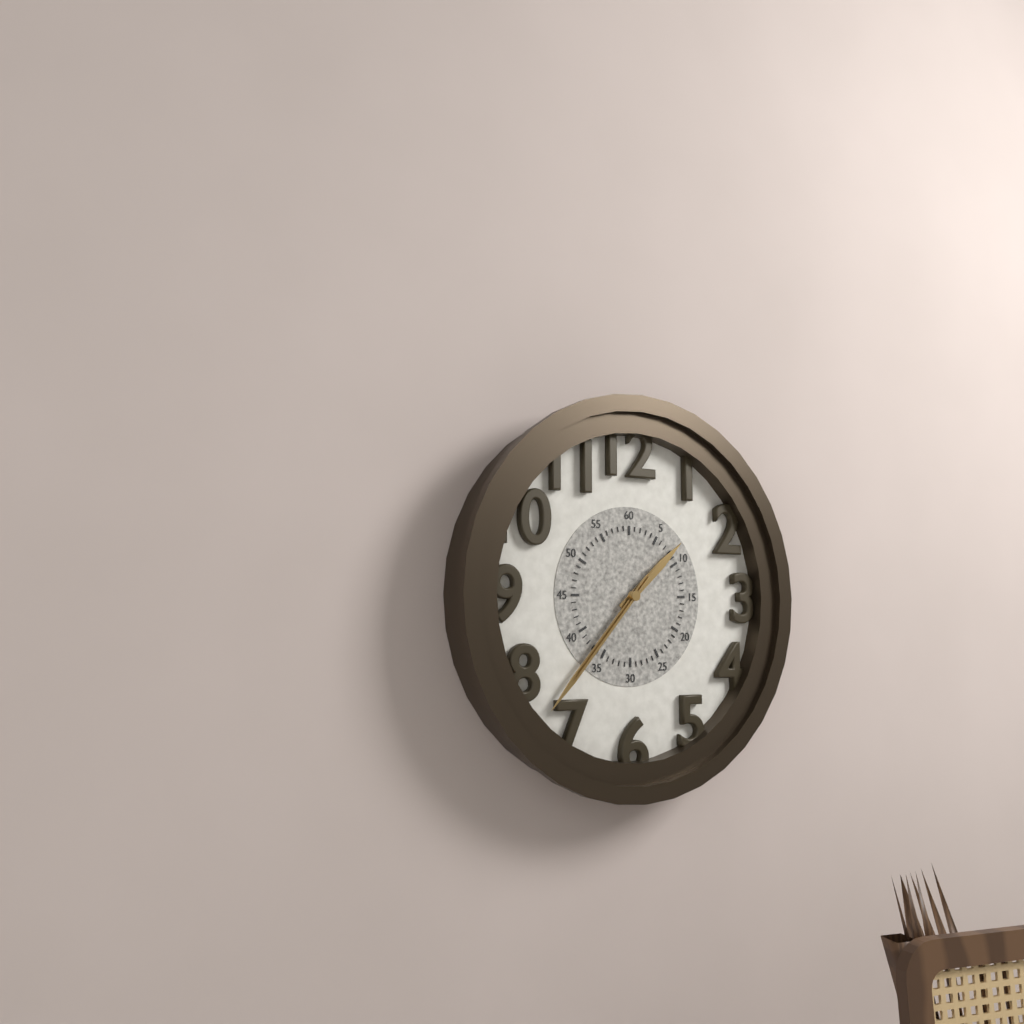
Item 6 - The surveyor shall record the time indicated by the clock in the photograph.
1:37:37
